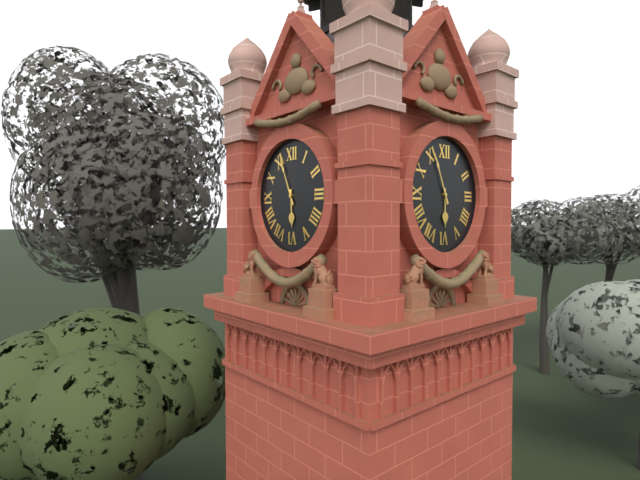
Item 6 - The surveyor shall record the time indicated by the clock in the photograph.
5:56
